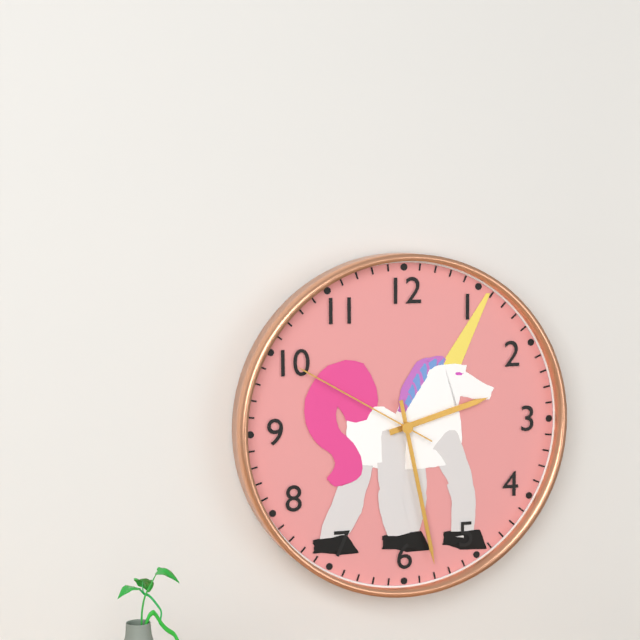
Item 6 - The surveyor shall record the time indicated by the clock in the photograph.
2:28:50
